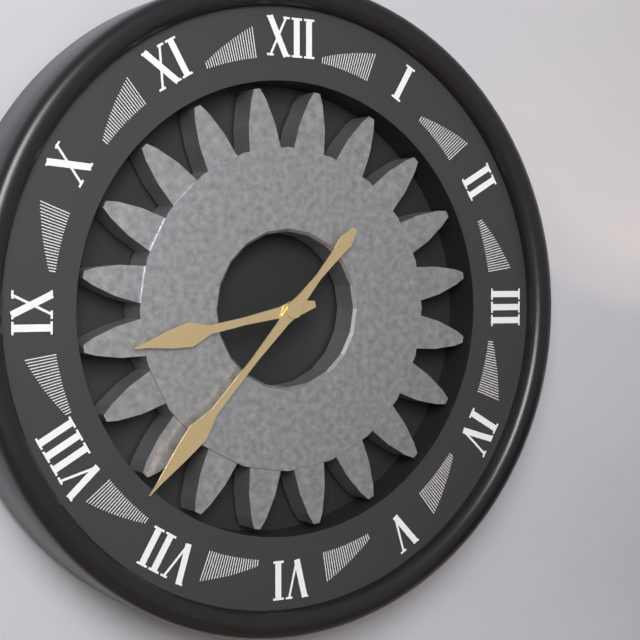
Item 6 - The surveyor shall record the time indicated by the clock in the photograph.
8:37
